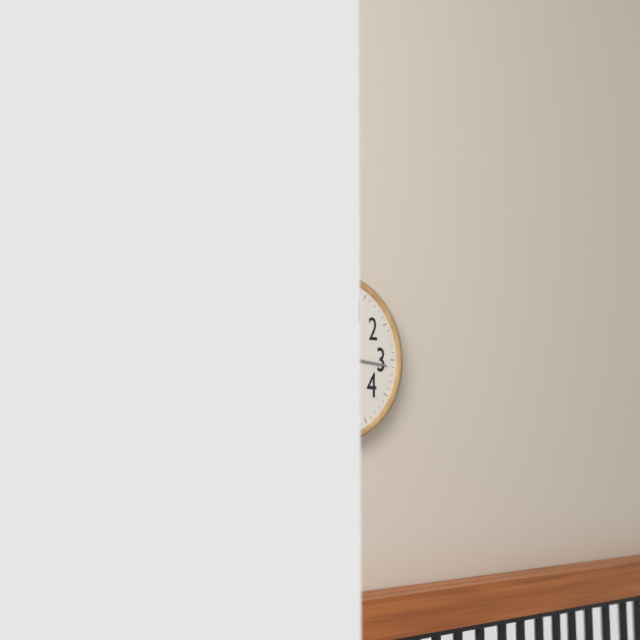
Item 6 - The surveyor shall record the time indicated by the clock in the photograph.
1:16:51
